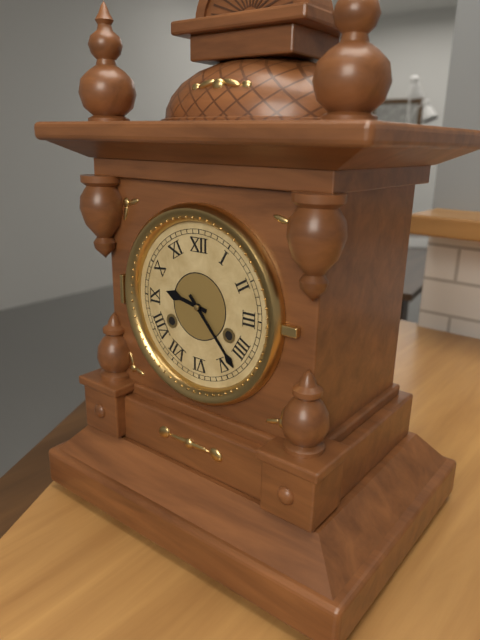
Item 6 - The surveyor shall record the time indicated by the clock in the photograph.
9:23
